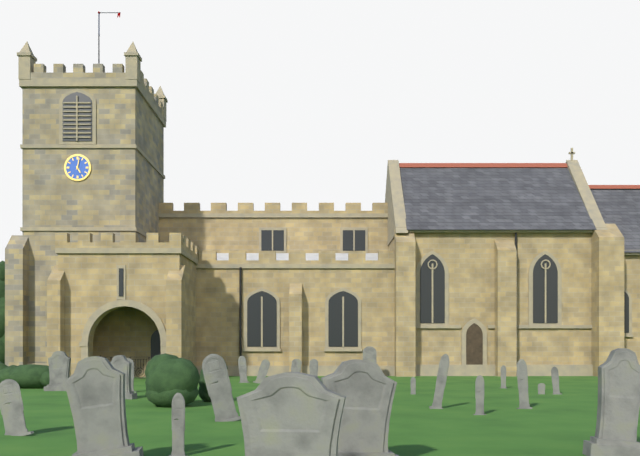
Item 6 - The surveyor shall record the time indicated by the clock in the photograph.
5:02
